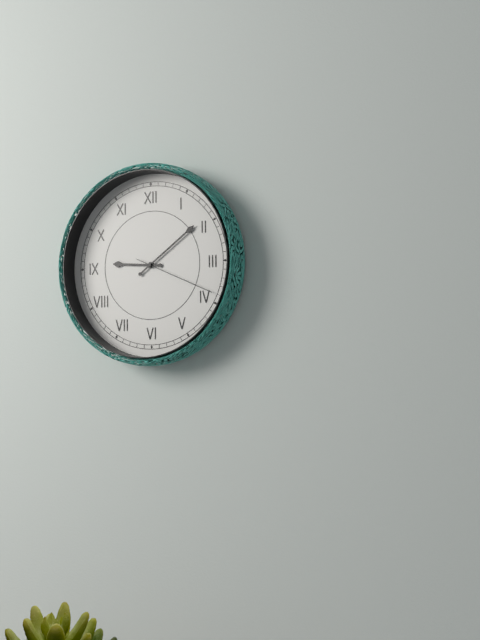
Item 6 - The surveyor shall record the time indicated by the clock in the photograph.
9:09:19
